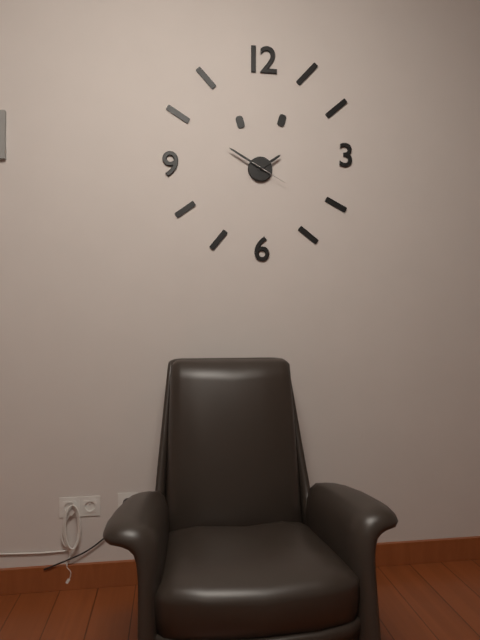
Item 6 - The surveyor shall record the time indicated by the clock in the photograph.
1:50
